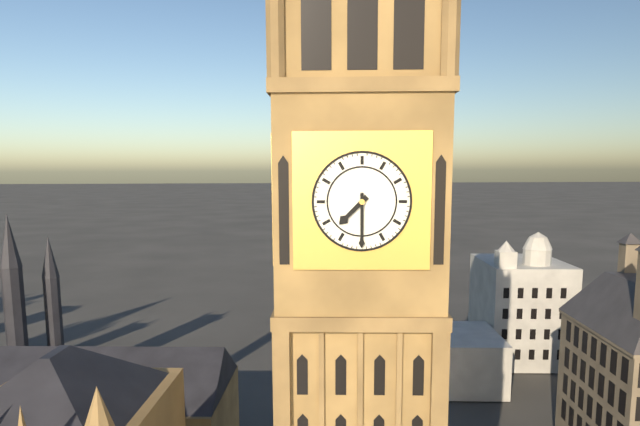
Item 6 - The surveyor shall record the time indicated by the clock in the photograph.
7:30
